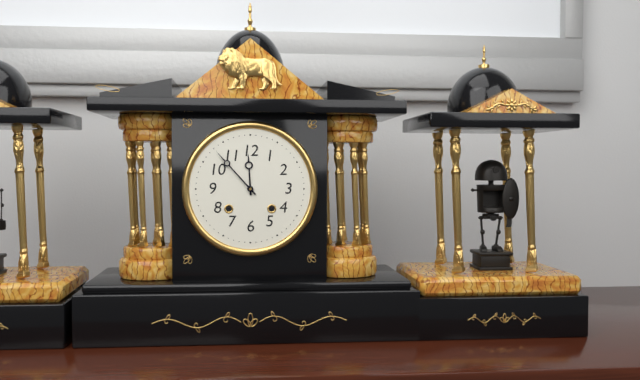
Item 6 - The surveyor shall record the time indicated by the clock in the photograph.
11:53
